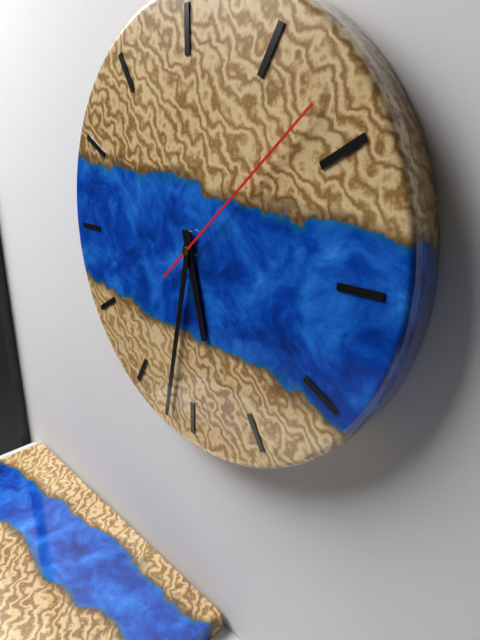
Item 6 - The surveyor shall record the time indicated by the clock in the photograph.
5:32:08
